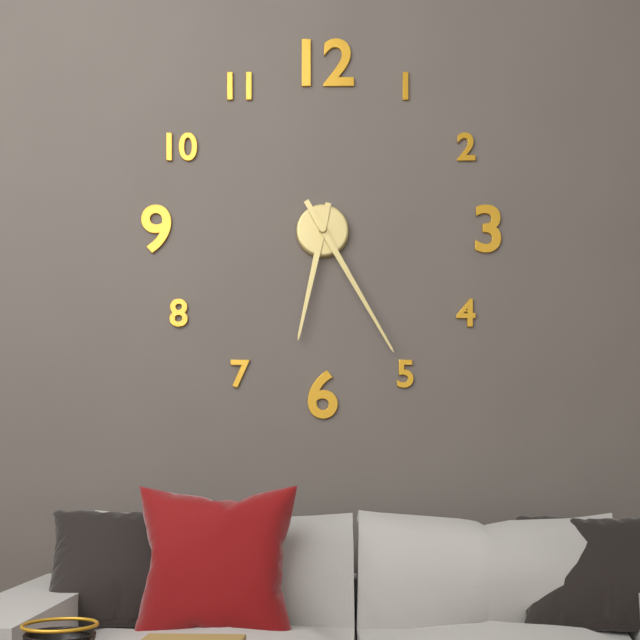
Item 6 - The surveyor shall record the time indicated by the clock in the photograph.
6:25
